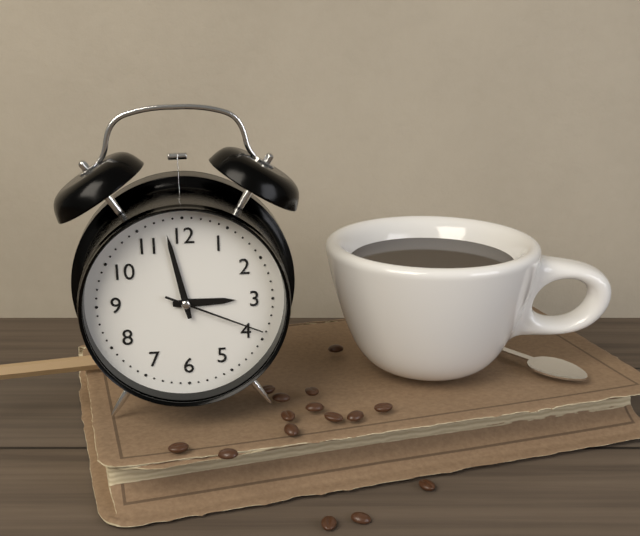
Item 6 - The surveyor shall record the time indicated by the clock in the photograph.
2:58:19
